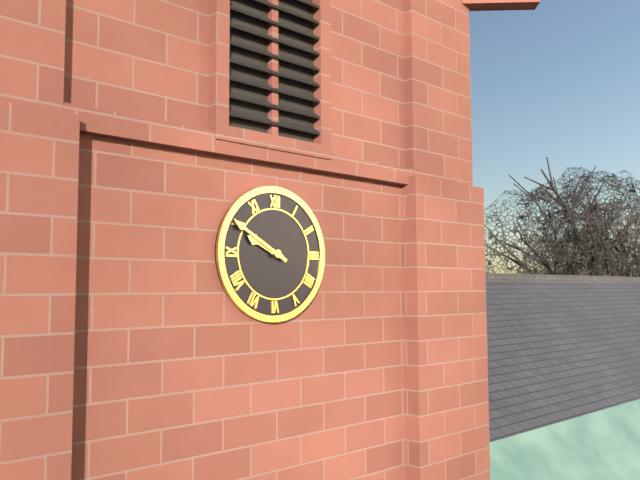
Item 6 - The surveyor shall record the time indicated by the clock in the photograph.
9:50
